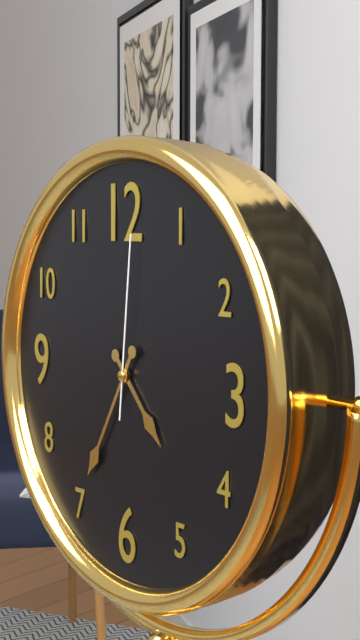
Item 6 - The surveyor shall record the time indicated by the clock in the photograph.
4:35:01
